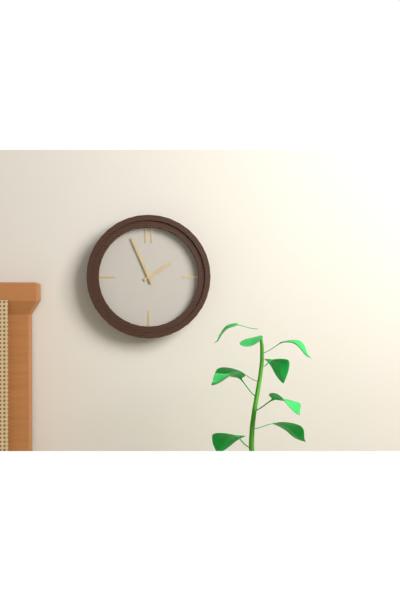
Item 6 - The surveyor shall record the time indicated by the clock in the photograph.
1:56
